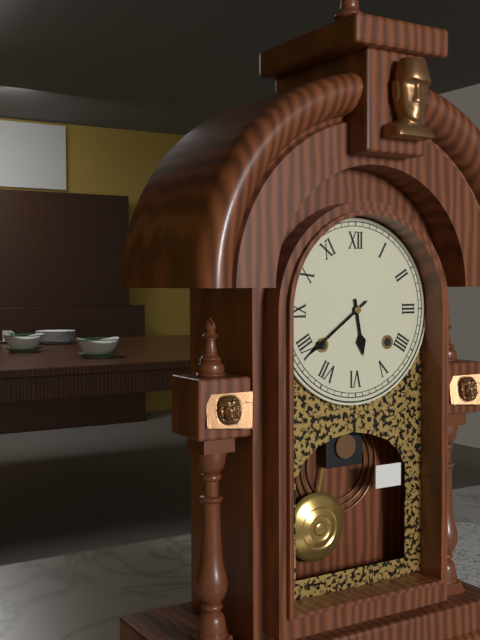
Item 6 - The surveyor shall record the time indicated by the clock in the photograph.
5:39
